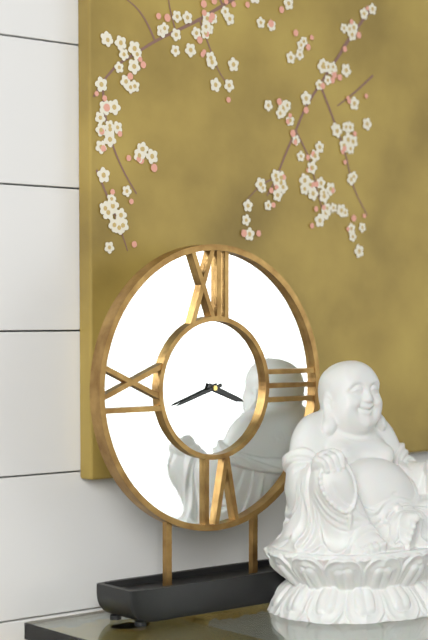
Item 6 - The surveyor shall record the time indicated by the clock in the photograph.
3:42
